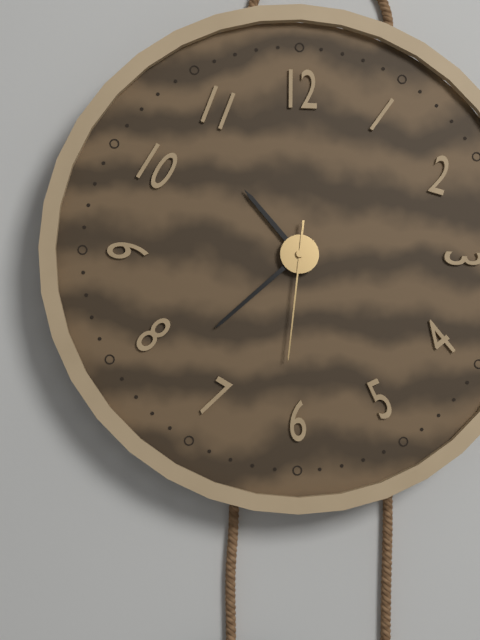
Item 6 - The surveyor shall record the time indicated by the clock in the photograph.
10:38:31
